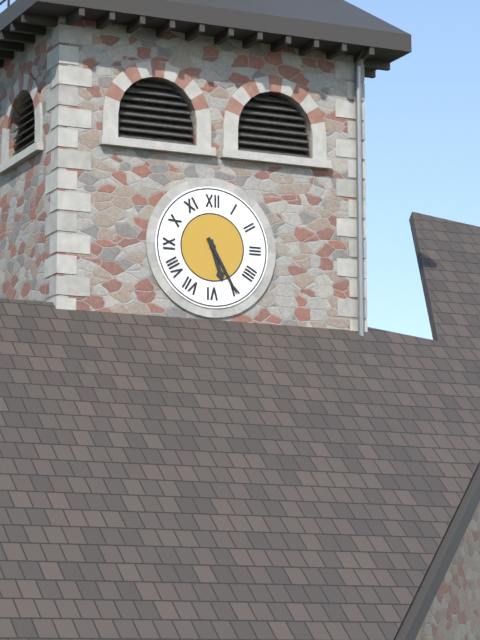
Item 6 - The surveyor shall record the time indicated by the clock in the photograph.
5:25
